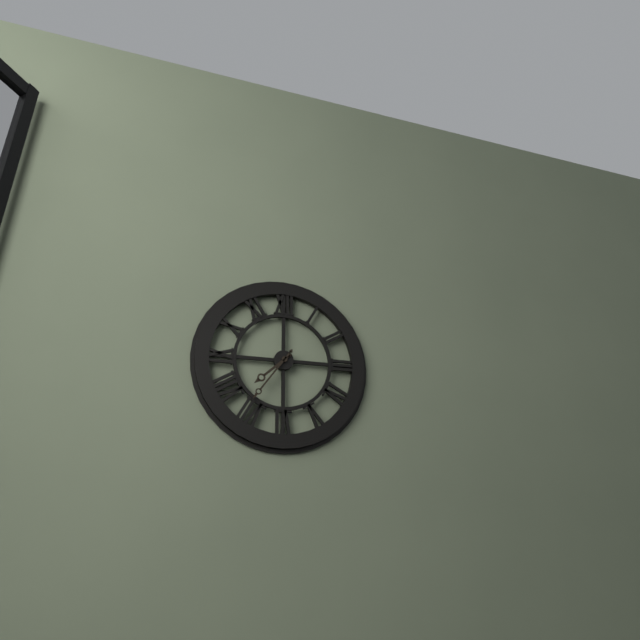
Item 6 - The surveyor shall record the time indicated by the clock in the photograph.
7:36
